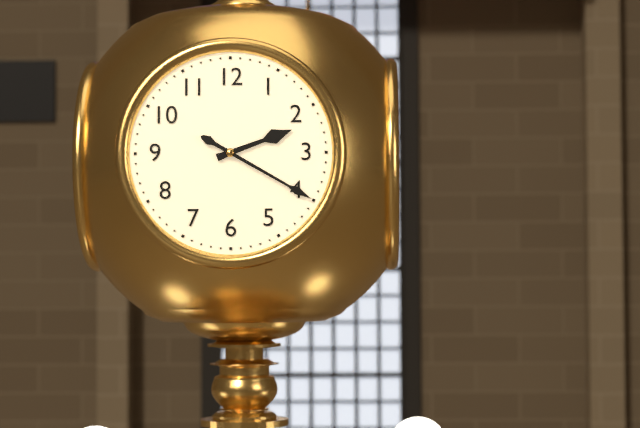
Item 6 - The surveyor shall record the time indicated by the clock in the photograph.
2:20
